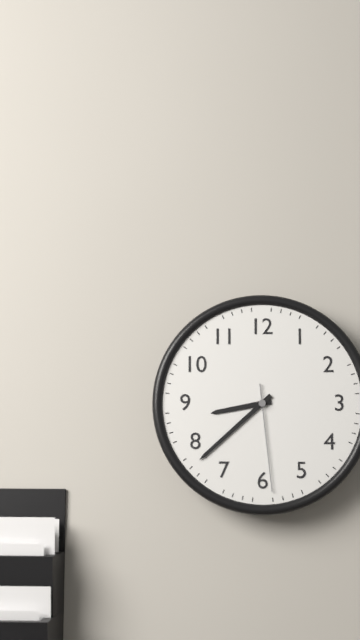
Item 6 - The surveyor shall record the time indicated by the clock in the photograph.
8:38:29
